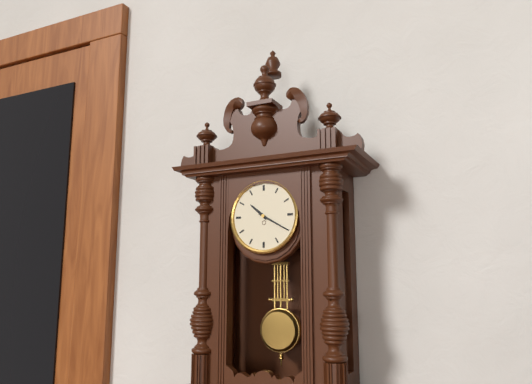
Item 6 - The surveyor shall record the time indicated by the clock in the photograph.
10:20
